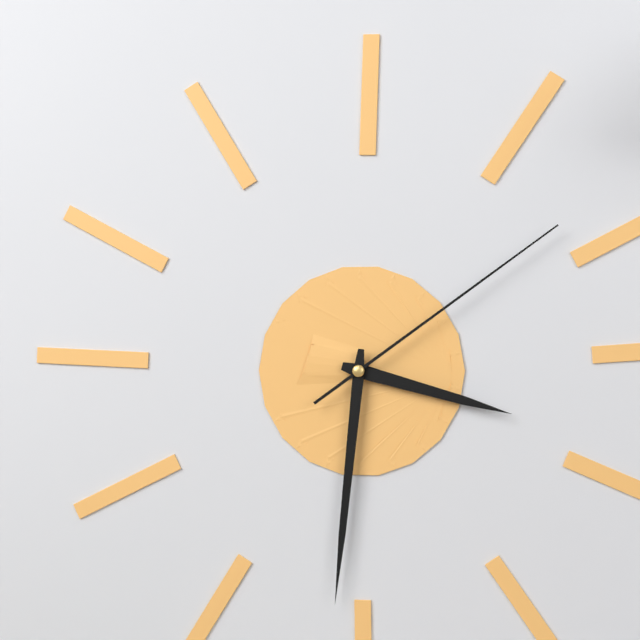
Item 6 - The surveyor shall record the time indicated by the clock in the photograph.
3:31:09
